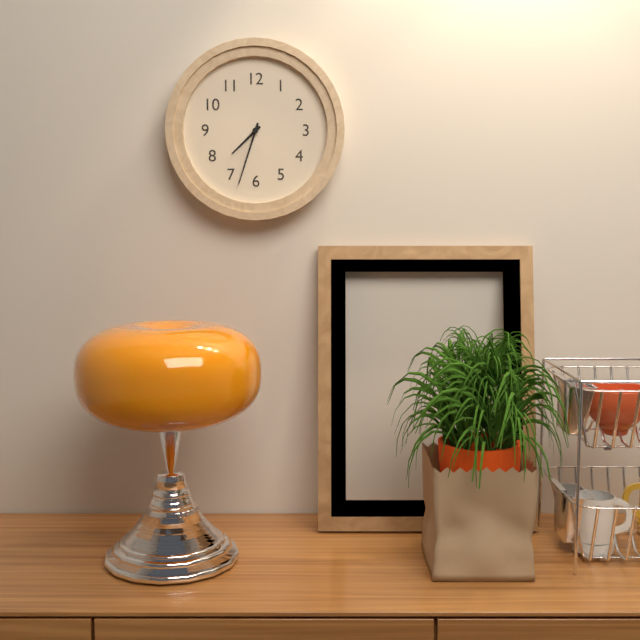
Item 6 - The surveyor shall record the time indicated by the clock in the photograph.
7:33
